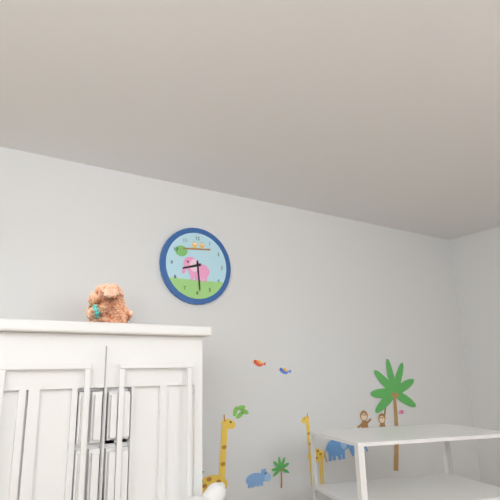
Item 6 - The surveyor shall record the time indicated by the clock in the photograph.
8:29
